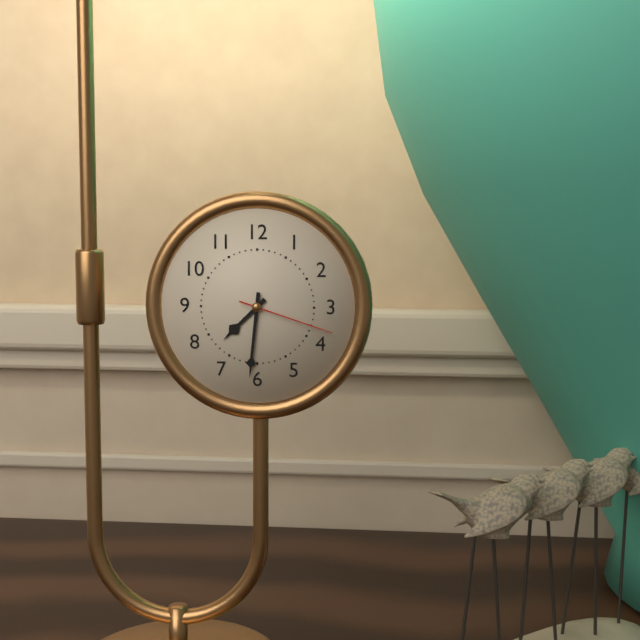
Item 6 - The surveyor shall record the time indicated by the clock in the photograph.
7:31:18
